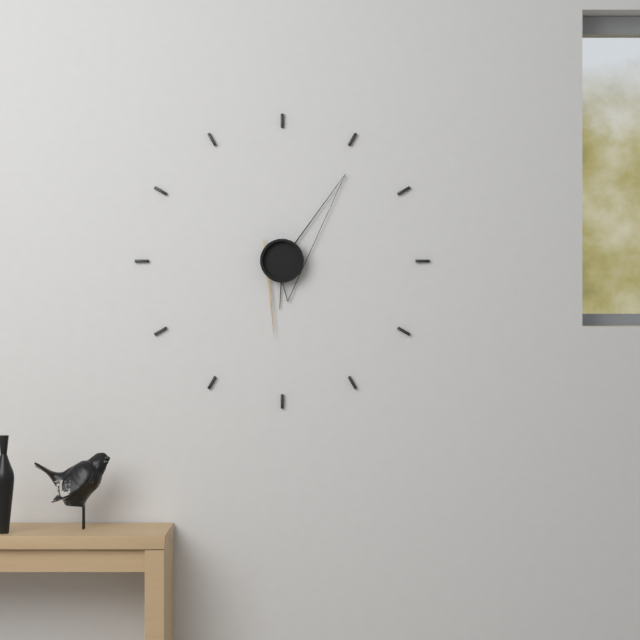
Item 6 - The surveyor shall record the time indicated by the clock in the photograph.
6:06:31
